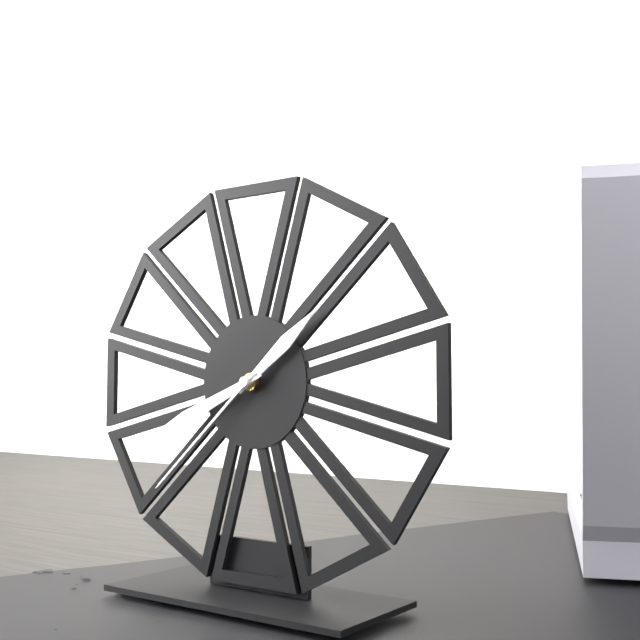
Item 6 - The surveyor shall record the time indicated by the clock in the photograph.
1:41:38
